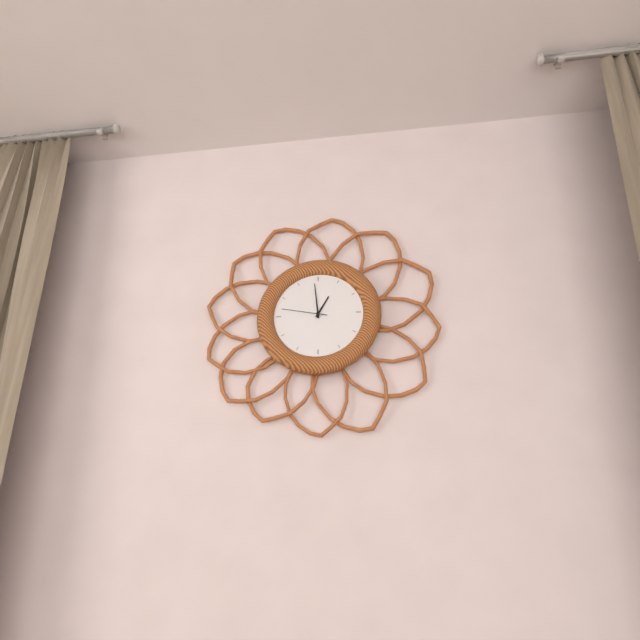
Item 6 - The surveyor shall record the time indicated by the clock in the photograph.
12:59
